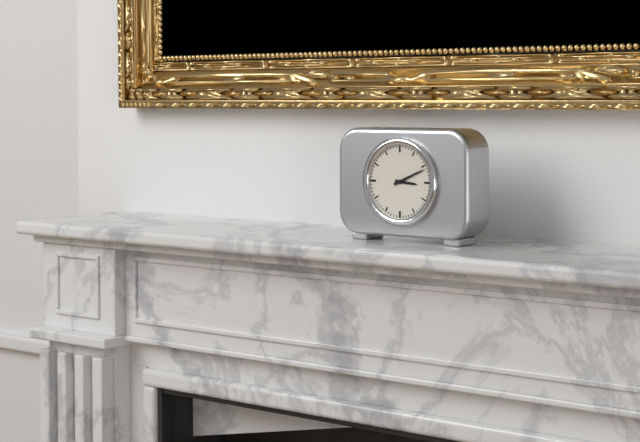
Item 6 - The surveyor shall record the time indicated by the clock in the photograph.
3:11
